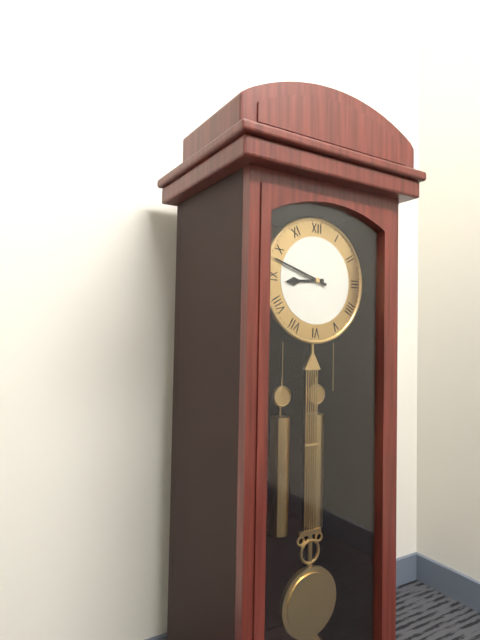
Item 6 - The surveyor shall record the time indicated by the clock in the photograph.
8:48
